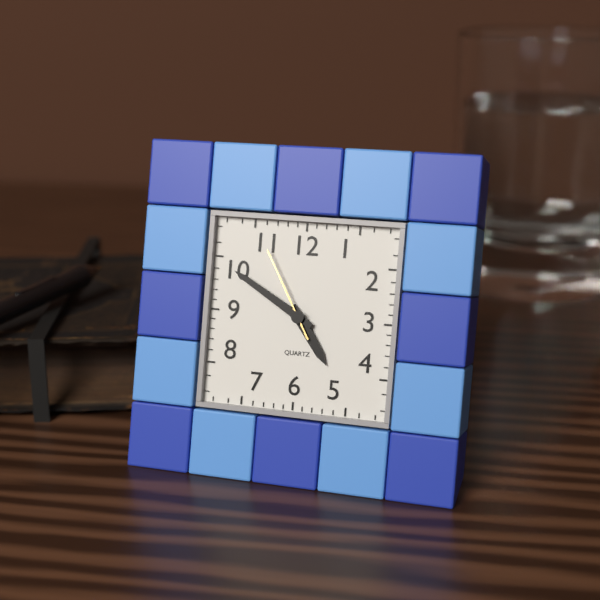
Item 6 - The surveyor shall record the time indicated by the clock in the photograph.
4:50:55
